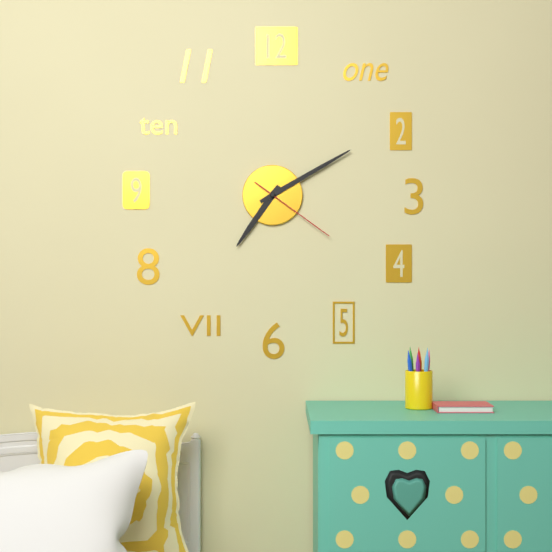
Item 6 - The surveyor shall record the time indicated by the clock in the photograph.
7:10:21
